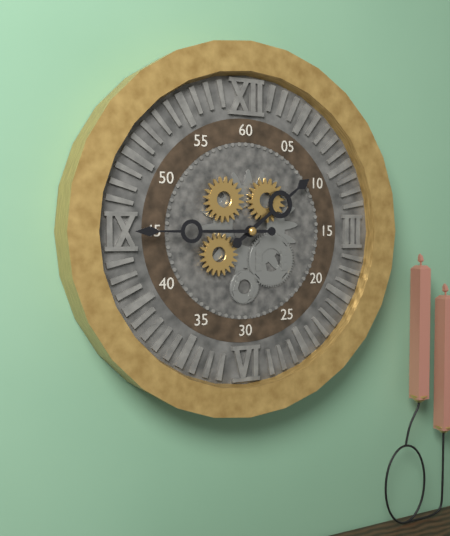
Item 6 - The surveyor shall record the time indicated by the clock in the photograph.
1:45
